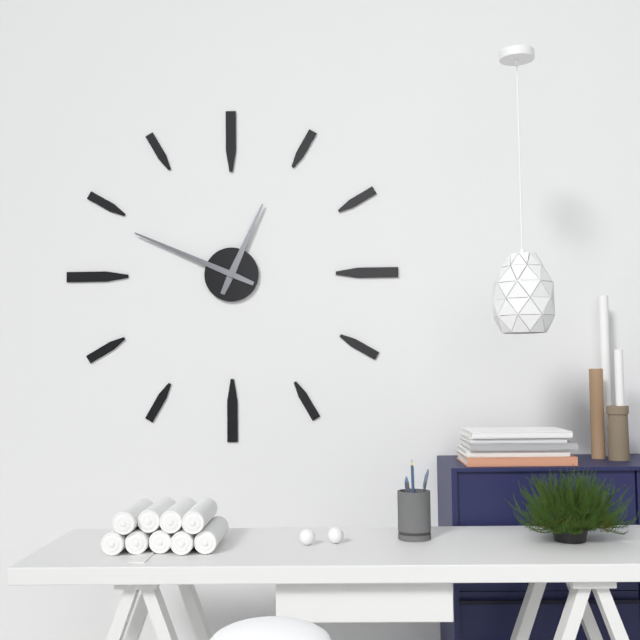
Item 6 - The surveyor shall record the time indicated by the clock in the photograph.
12:49
